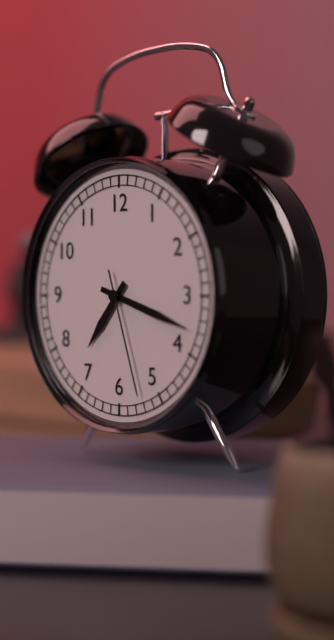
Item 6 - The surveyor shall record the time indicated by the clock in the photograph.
7:18:27
